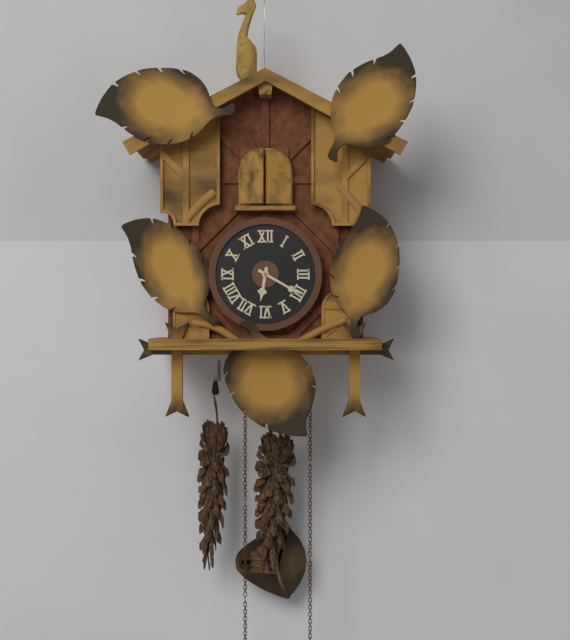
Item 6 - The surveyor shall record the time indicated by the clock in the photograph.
6:20
